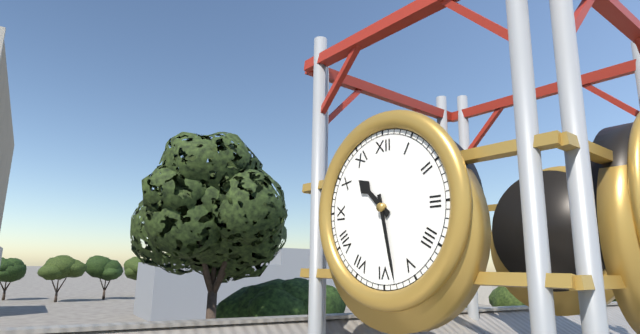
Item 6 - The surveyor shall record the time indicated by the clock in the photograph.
10:28
